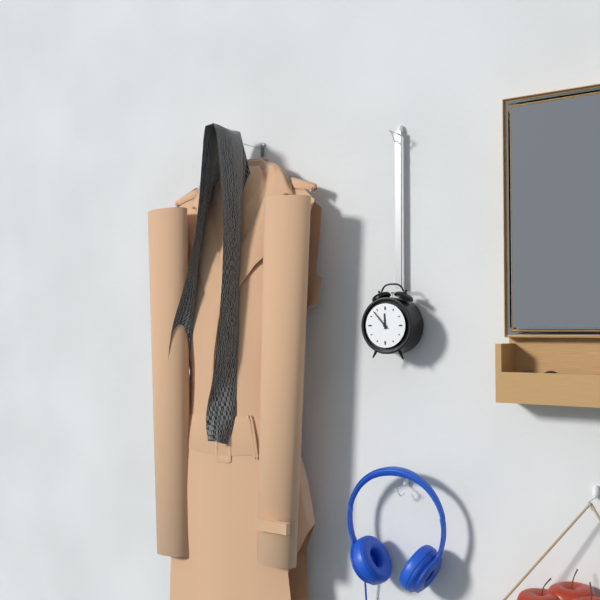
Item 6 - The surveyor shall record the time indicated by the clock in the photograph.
11:53
